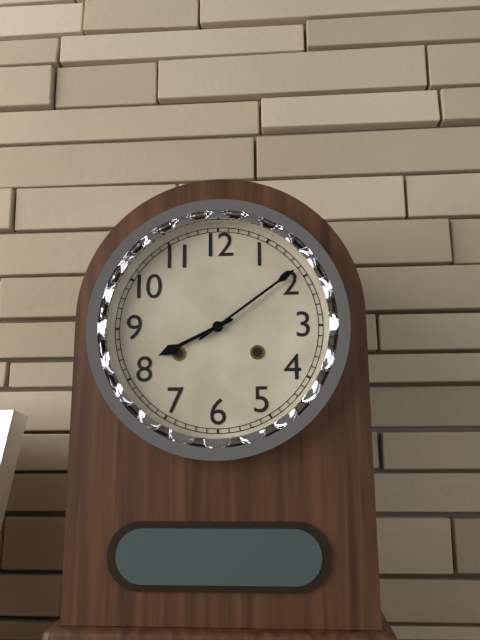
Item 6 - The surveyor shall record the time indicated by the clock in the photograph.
8:09
